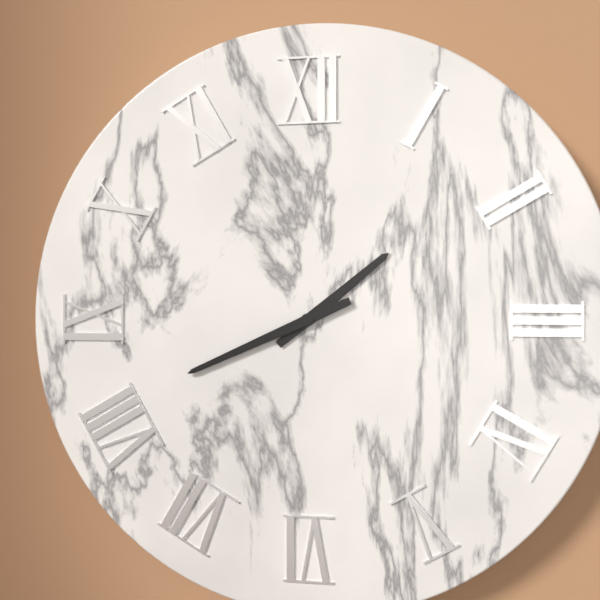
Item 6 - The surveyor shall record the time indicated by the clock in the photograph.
1:41
